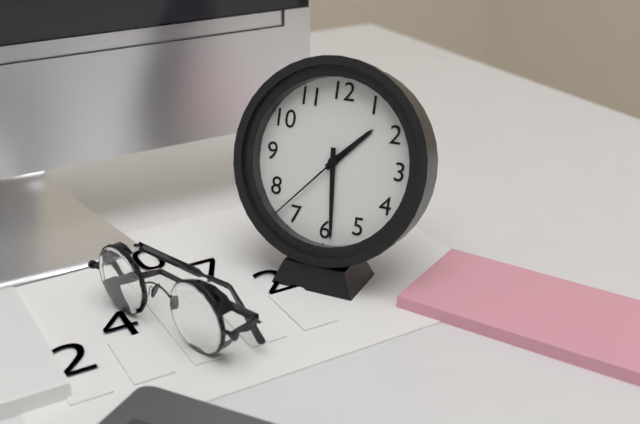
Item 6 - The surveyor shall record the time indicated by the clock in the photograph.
1:29:37
